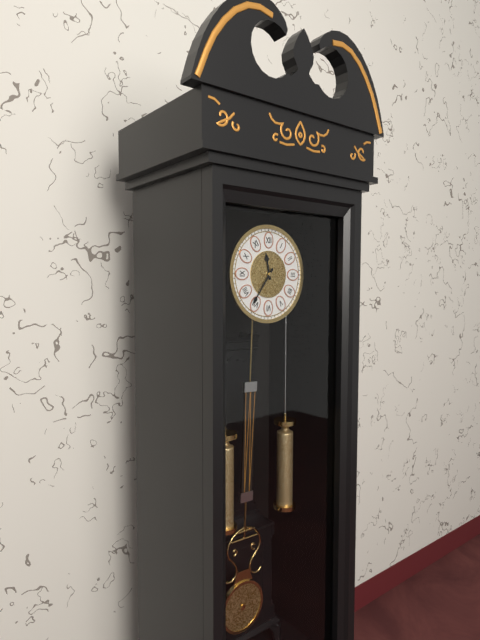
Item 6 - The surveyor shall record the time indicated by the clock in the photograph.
11:36
